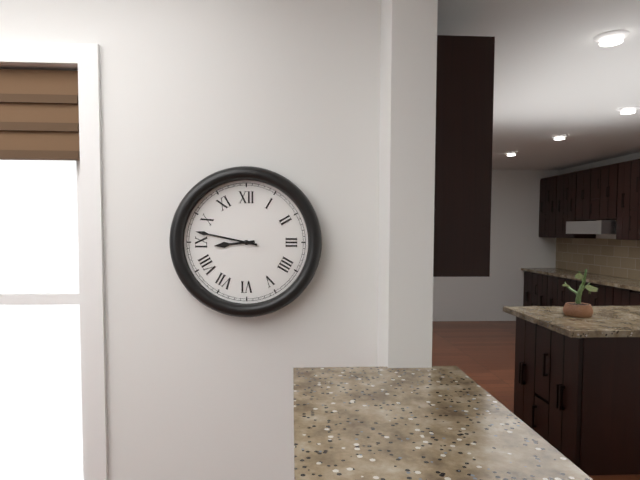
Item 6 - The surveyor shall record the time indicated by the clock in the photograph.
8:47
